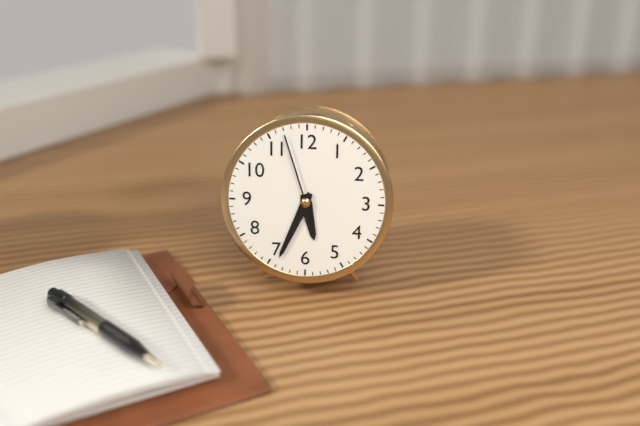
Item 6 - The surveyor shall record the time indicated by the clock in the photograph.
5:34:57
